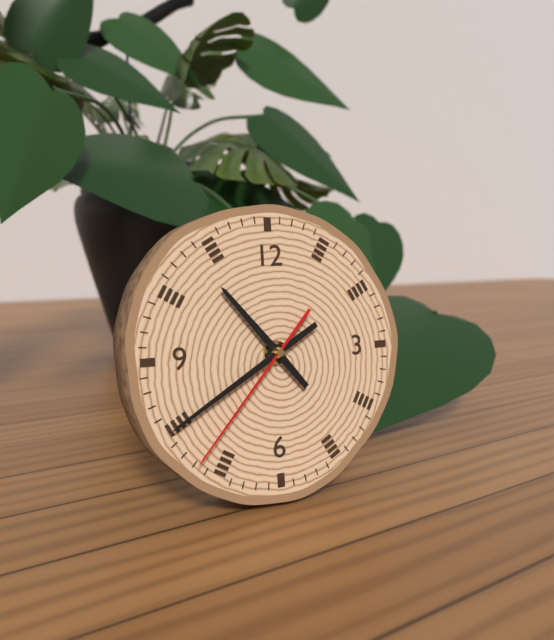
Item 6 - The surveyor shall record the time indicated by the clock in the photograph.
10:40:37
